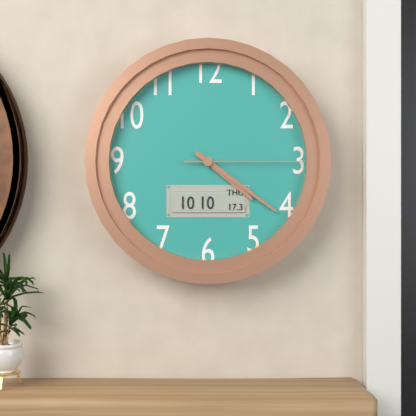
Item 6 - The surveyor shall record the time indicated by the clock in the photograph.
4:21:15
